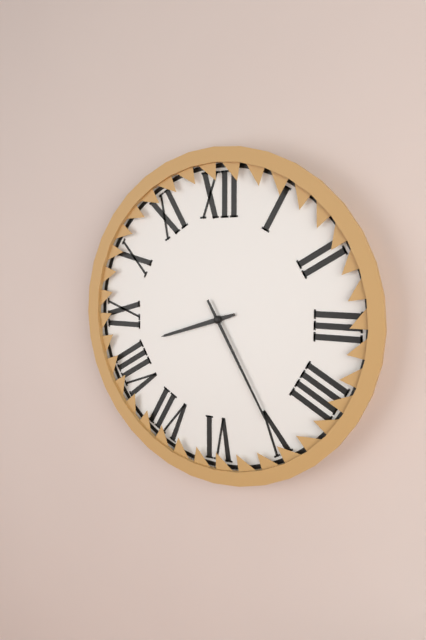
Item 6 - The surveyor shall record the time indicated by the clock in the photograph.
8:25
